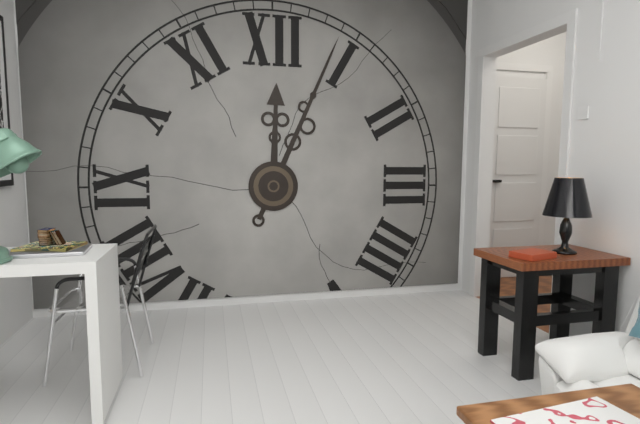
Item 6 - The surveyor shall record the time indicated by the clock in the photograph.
12:04
